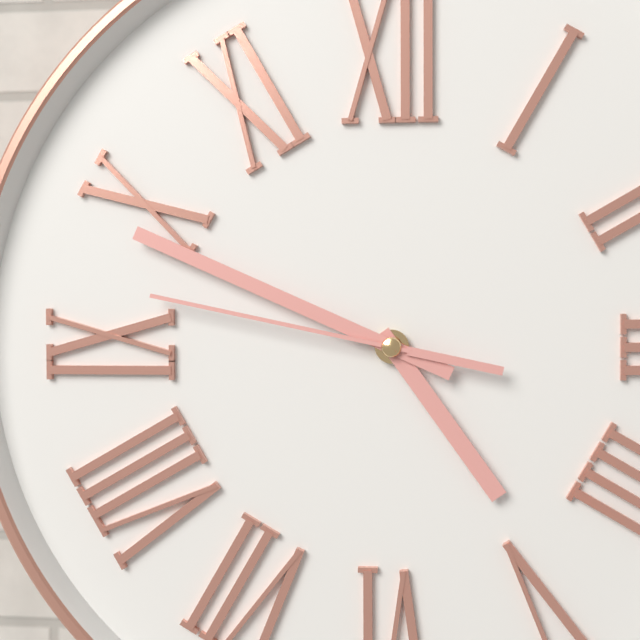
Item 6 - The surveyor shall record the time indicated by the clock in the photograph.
4:49:47
